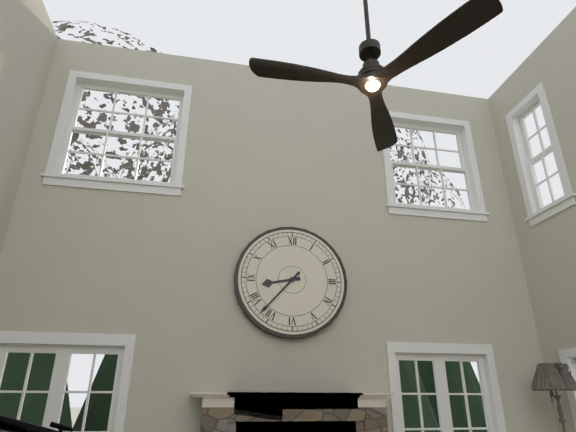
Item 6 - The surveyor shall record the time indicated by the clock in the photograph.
8:37
